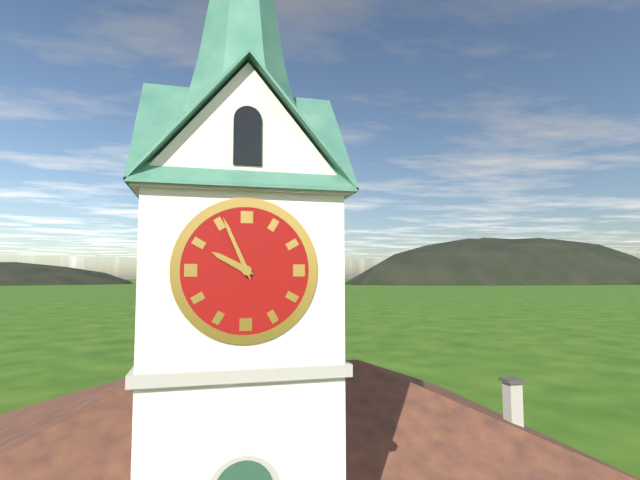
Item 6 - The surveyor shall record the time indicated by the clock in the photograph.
9:56
